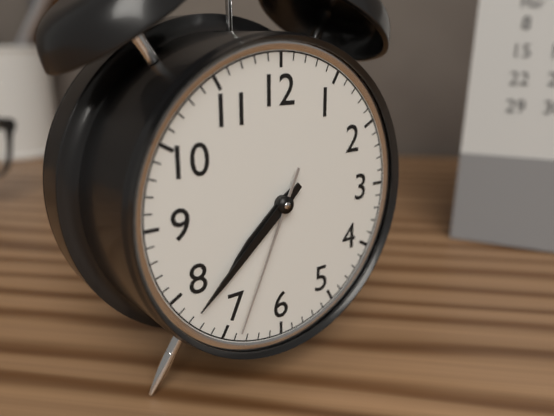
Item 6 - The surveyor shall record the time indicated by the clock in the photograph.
7:38:34
